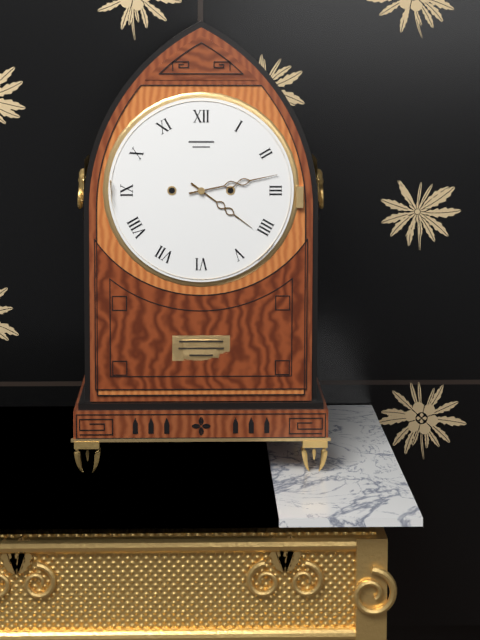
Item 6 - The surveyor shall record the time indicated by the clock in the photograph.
4:13
